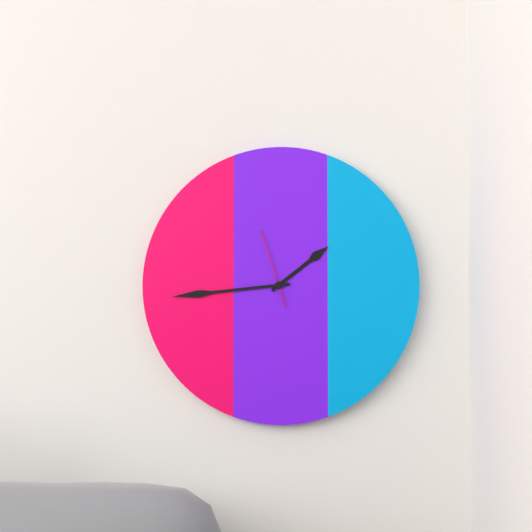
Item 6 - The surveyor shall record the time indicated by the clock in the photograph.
1:44:57
